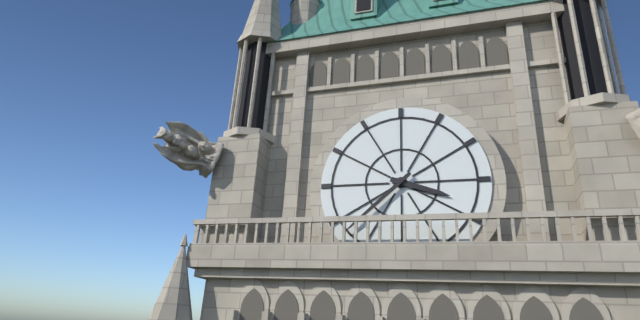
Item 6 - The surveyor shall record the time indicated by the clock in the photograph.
3:38
